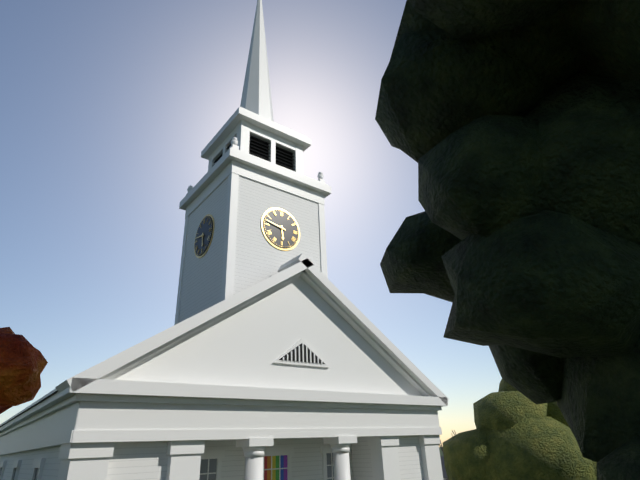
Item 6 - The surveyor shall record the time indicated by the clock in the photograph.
5:47
